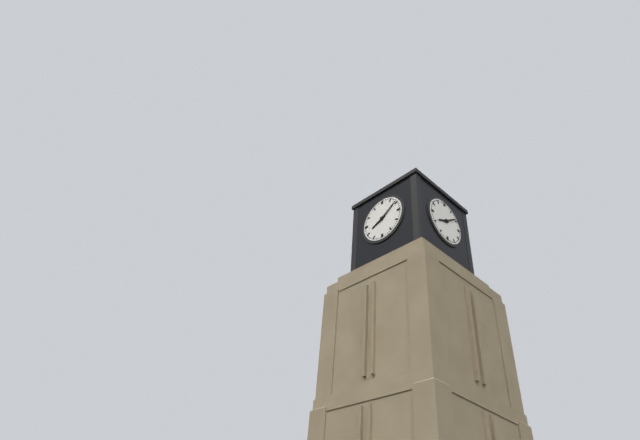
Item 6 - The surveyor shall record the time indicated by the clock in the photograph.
8:09
